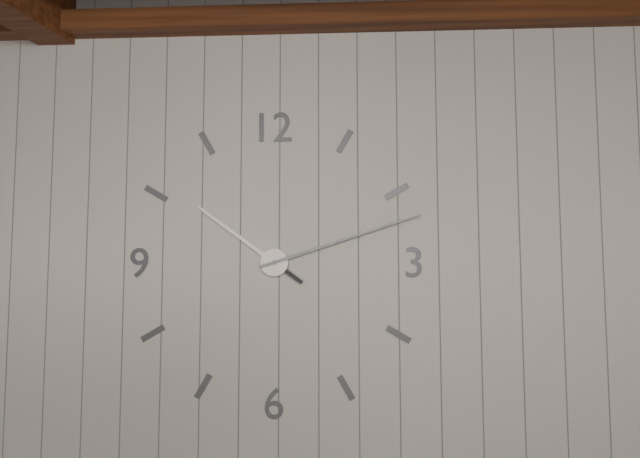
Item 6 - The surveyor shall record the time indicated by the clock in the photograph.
10:12
